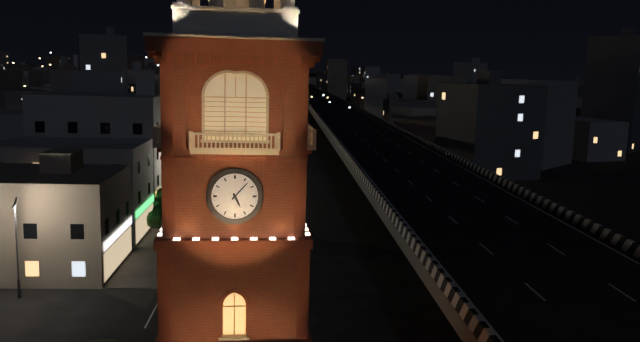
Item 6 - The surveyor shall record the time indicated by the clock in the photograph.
5:07
